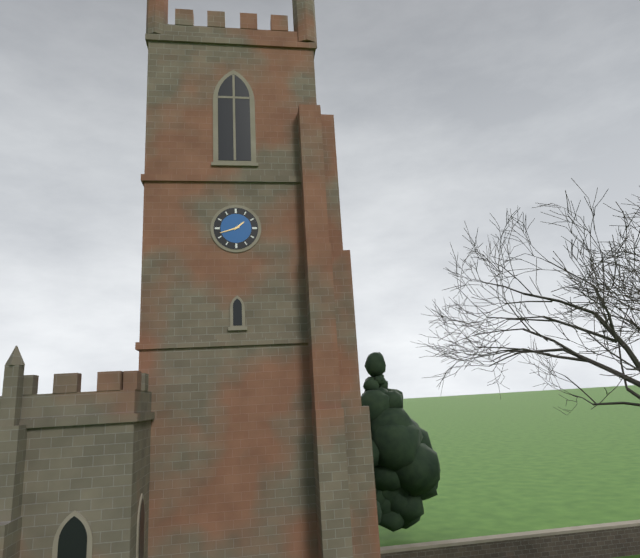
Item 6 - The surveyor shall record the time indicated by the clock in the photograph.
1:42
